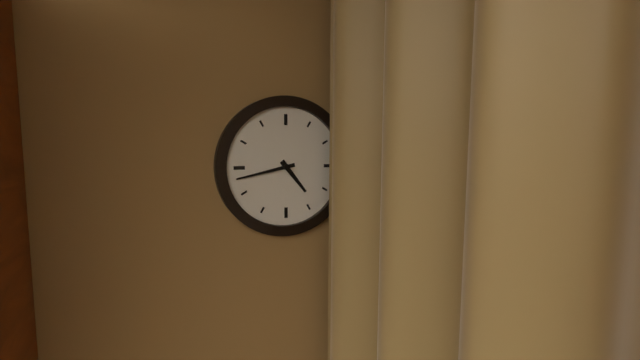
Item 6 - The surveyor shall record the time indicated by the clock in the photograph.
4:43
